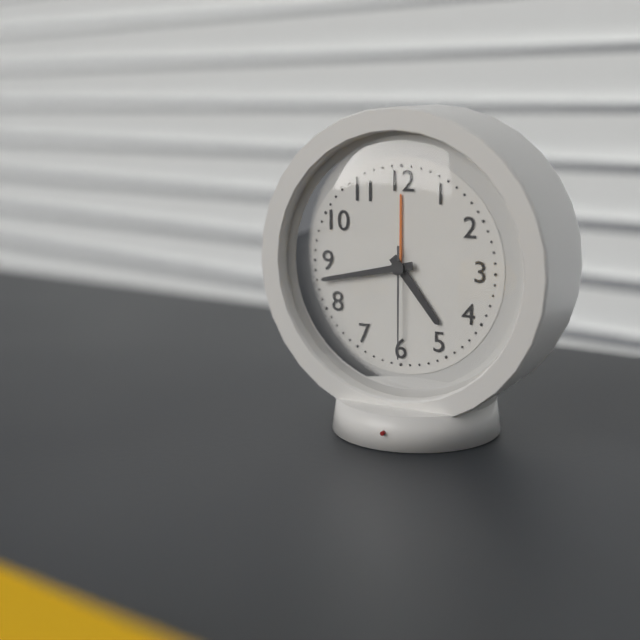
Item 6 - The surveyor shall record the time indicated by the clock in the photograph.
4:43:30
